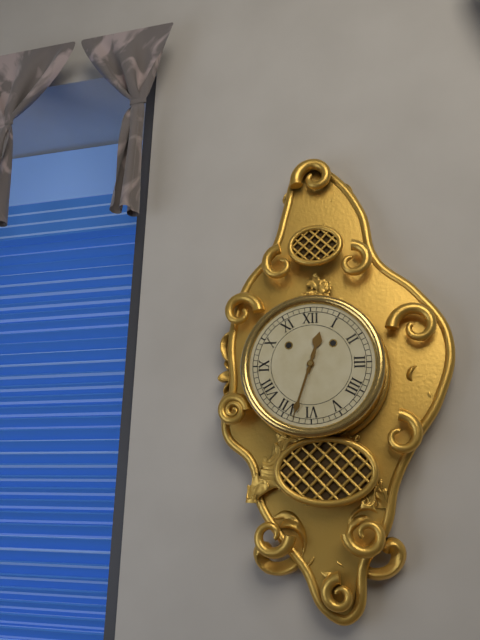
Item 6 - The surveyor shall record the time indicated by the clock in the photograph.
12:33
